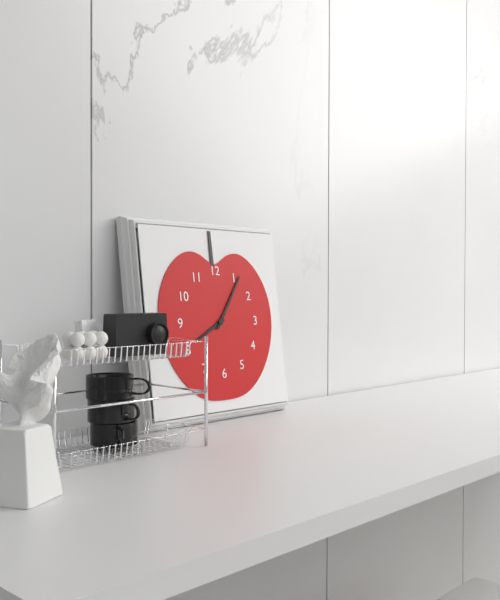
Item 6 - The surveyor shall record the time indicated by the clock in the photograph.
8:06
